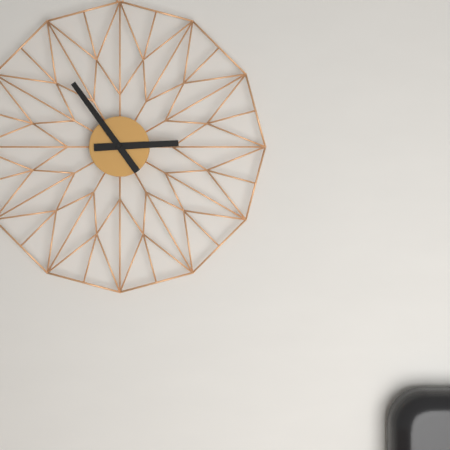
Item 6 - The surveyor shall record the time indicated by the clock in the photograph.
2:54
